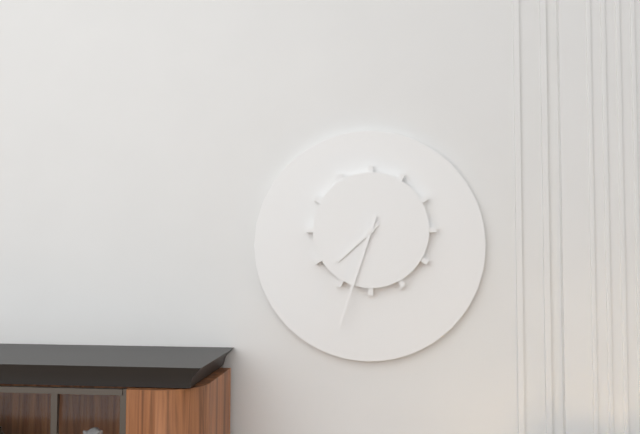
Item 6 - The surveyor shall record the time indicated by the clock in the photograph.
7:33
